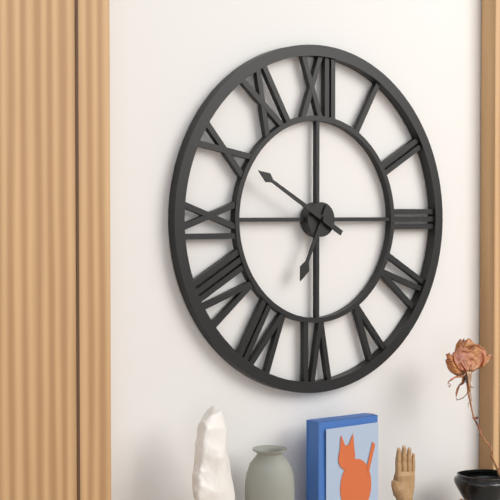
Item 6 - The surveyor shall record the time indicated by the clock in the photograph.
6:50
